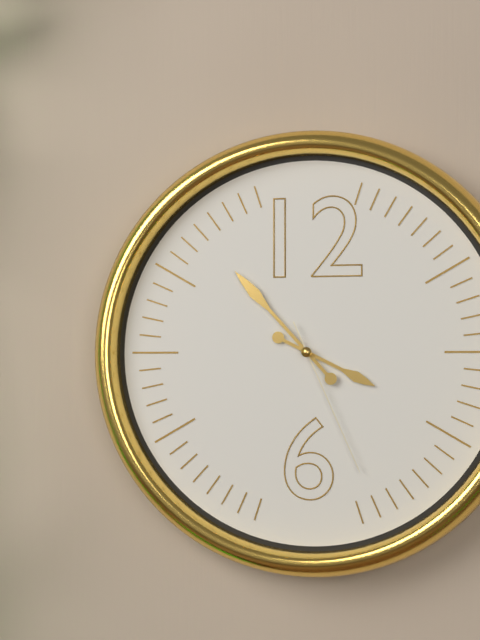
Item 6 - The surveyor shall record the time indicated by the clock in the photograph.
3:53:26
